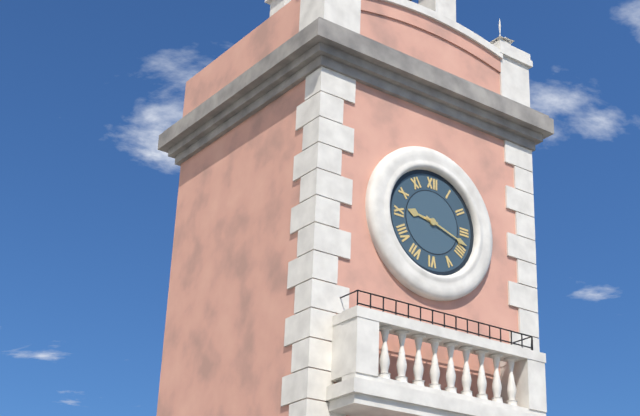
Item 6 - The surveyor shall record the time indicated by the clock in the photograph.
9:18
